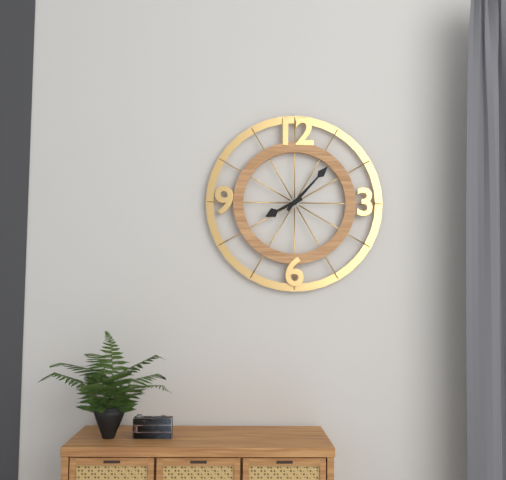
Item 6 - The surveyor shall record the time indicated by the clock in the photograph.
8:07
